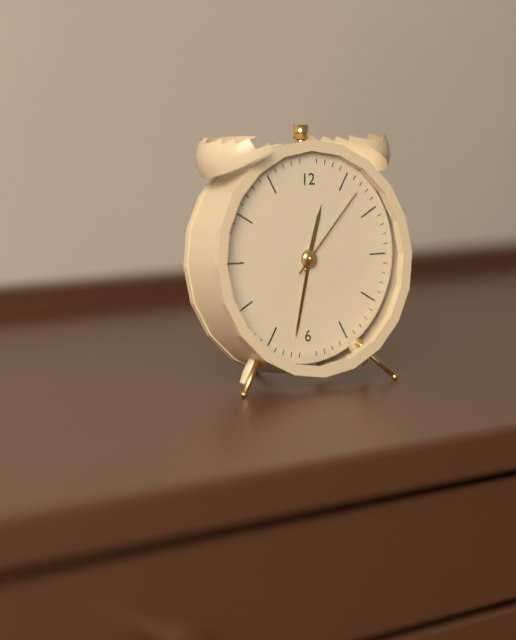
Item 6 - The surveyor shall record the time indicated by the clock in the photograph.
12:32:07
